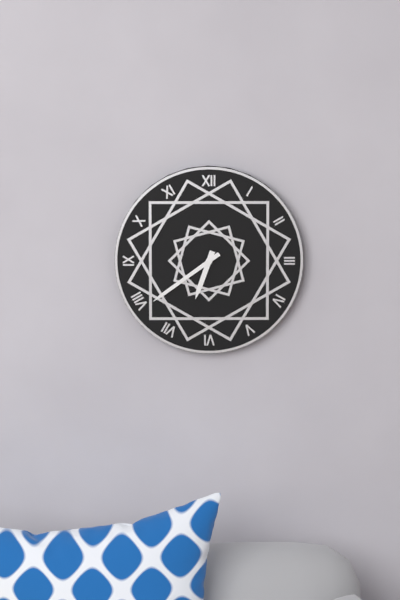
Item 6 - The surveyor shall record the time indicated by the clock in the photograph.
6:39
